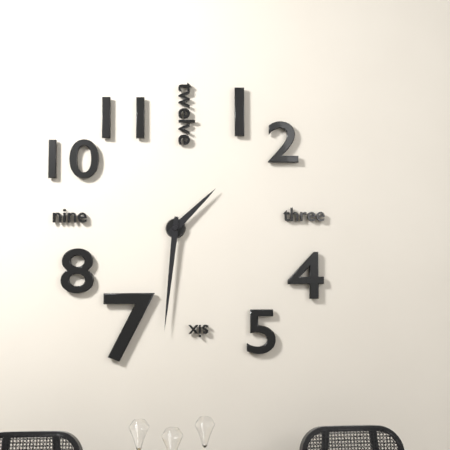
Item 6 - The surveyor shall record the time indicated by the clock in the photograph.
1:31
